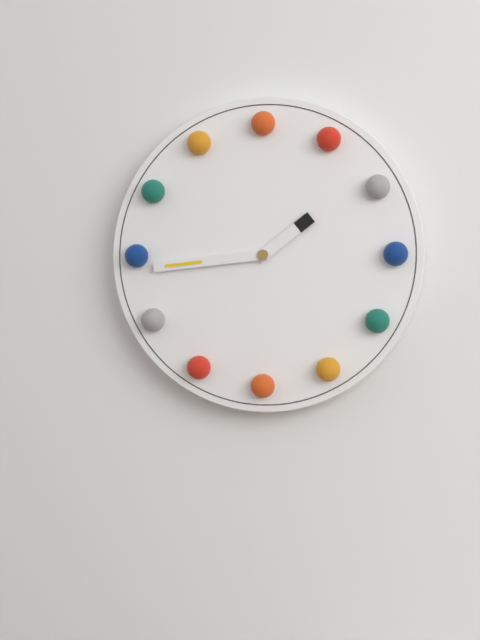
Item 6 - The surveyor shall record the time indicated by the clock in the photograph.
1:44
